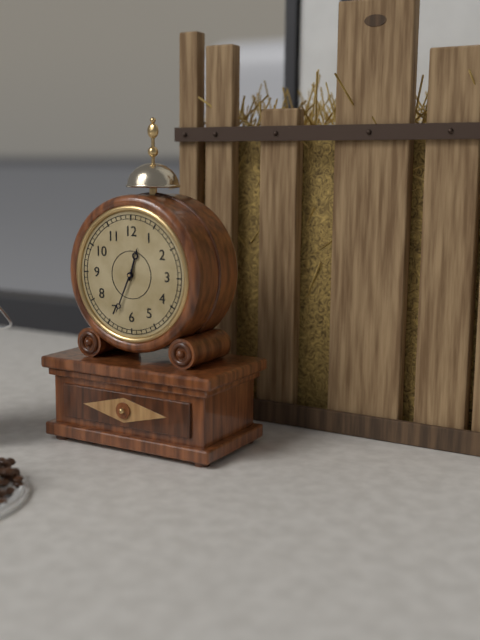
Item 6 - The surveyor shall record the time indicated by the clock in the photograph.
12:34
